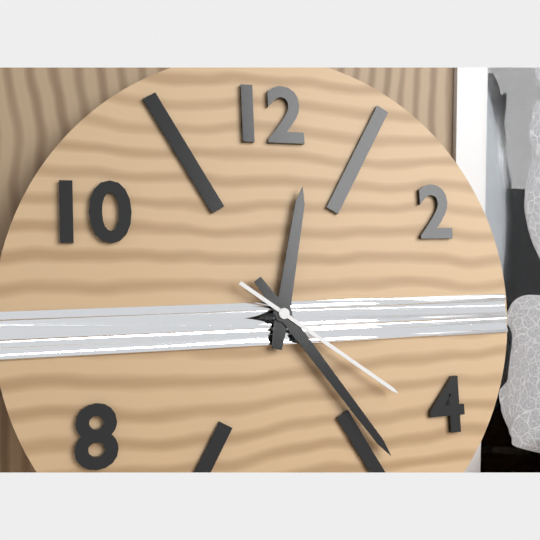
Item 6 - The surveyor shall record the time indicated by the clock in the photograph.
12:24:21
